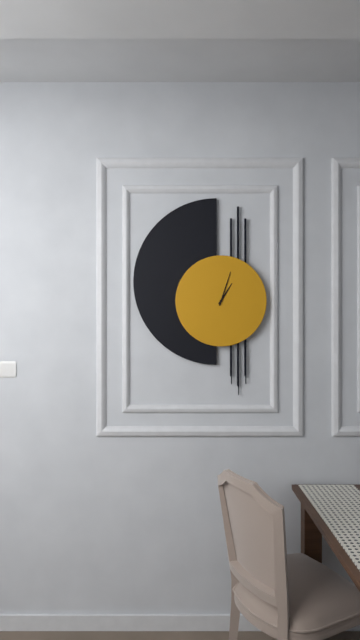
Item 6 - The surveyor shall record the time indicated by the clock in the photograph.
1:03
